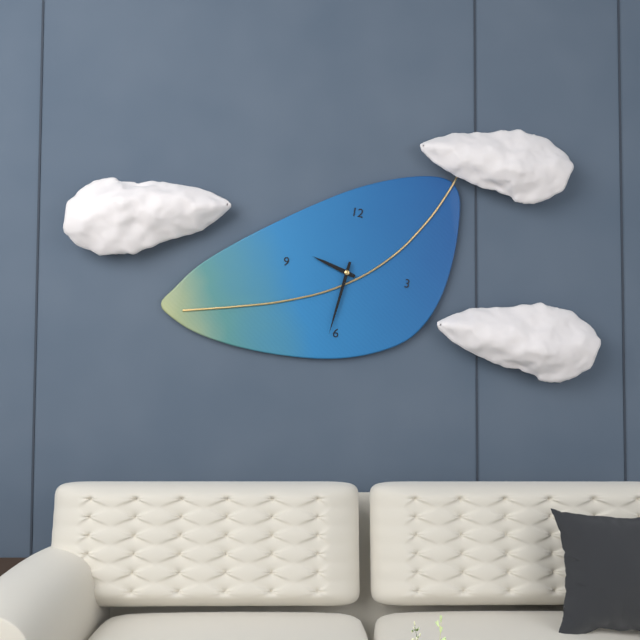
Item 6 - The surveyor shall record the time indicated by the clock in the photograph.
9:31
